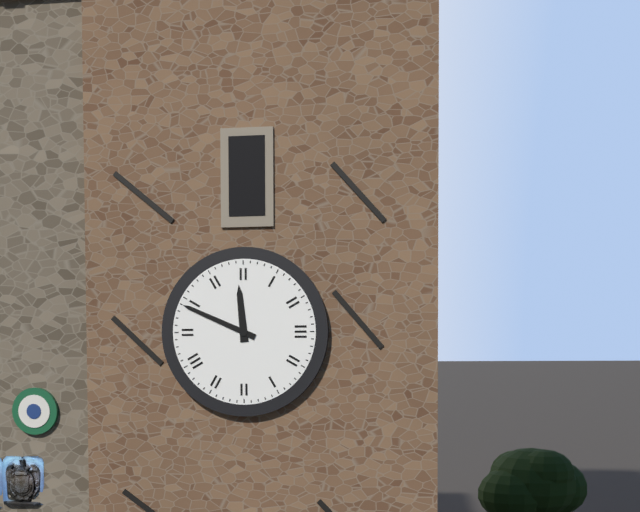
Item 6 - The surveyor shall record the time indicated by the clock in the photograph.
11:49
